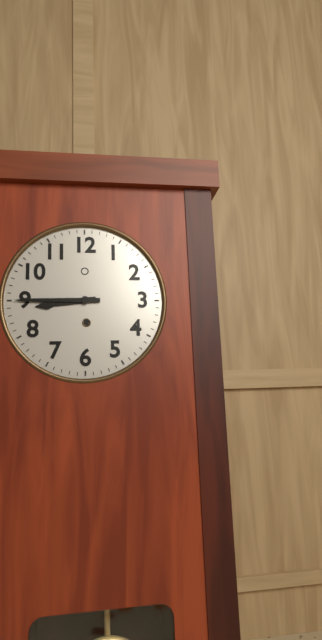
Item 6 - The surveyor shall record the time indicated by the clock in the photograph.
8:45
